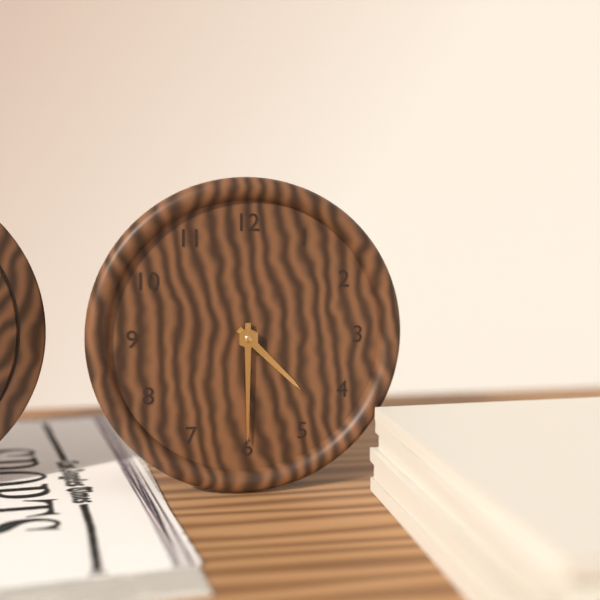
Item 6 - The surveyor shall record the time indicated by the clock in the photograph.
4:30
